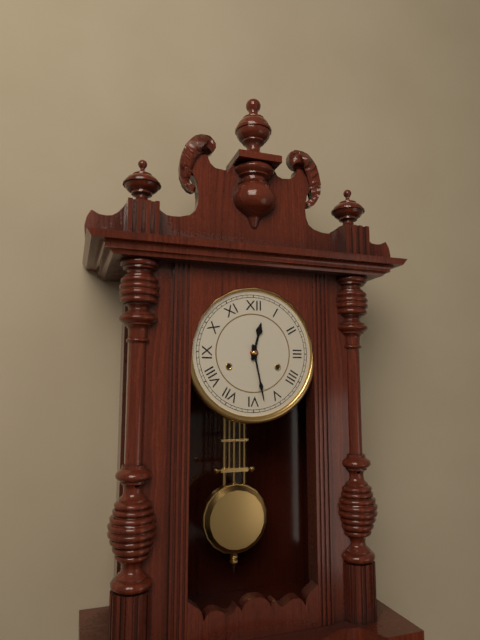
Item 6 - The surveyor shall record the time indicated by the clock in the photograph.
12:28
